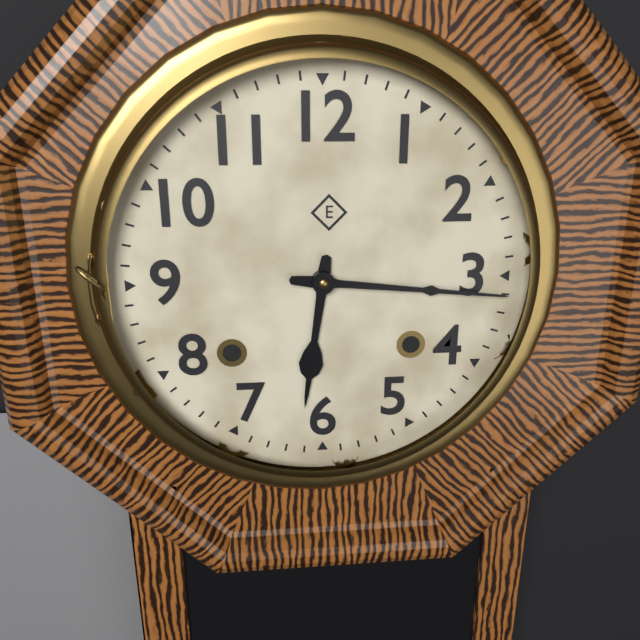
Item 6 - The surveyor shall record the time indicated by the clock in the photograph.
6:16
